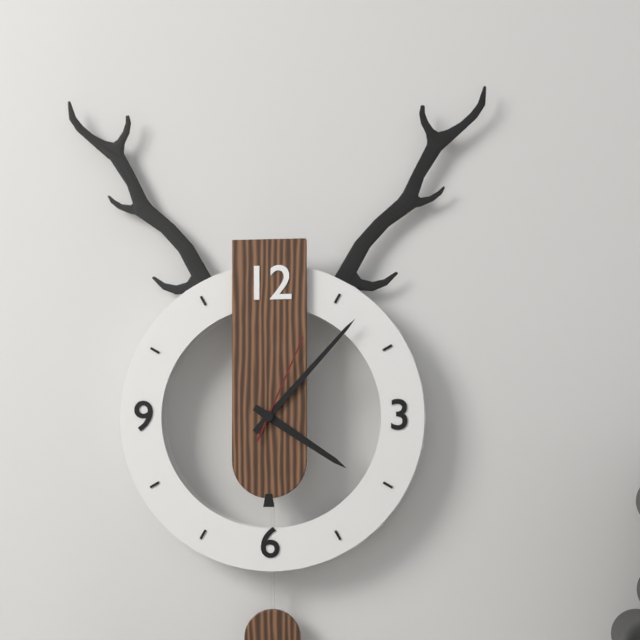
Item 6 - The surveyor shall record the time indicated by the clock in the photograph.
4:07:04
